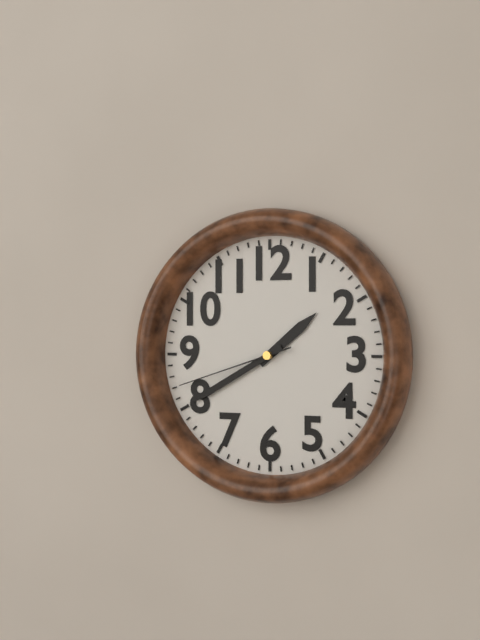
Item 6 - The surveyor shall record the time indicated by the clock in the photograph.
1:40:42
